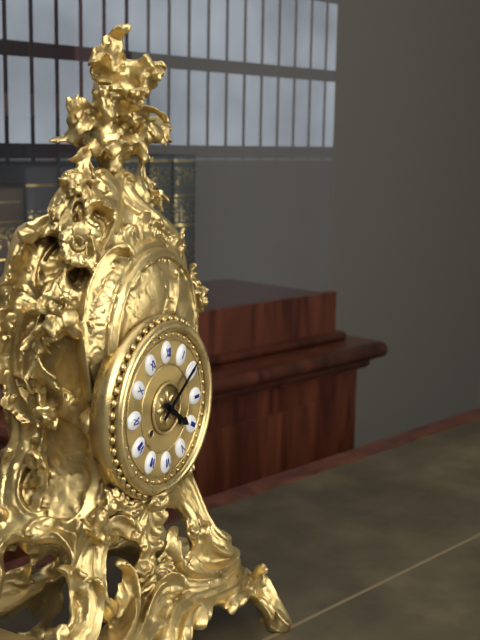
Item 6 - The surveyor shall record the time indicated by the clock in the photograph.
4:09
